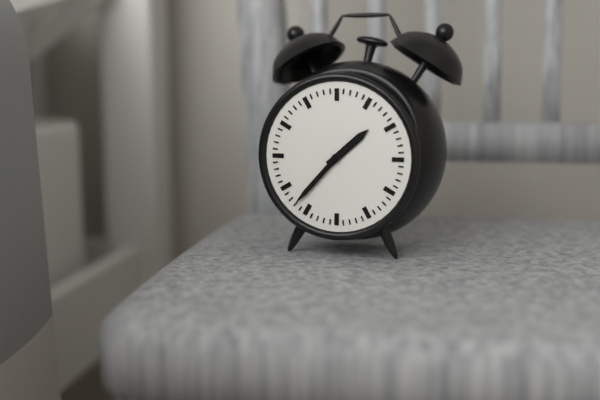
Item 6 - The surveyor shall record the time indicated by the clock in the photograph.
1:37
